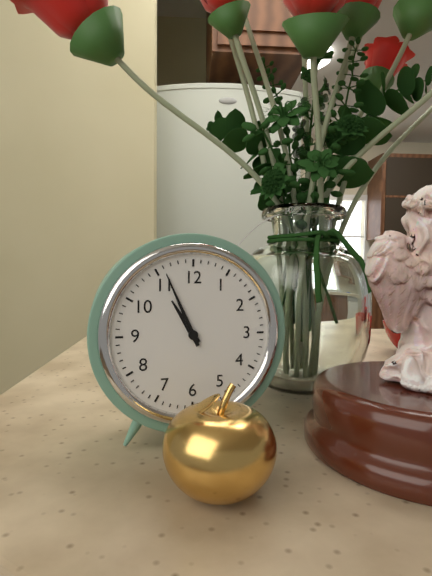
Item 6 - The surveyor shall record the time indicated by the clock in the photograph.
10:56
